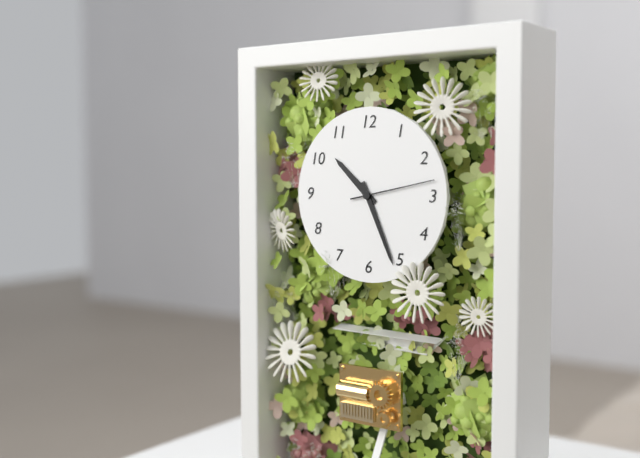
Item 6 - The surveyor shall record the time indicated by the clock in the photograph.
10:26:13
